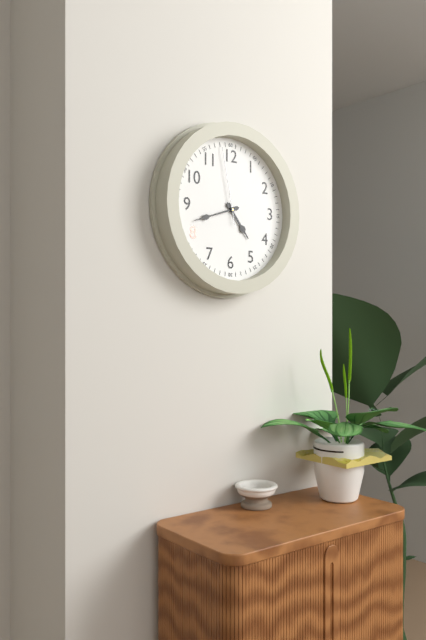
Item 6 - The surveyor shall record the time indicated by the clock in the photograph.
4:42:58
